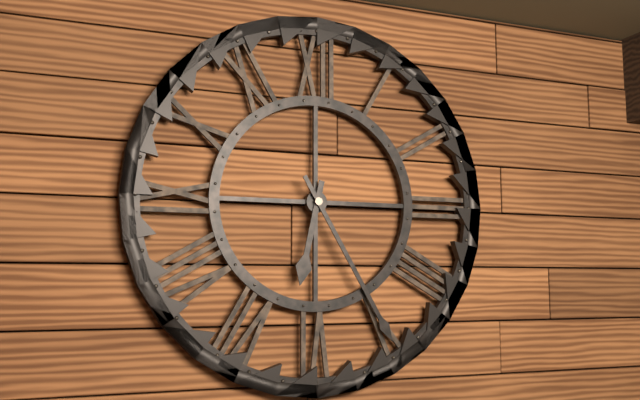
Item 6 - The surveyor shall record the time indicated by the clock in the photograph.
6:25
